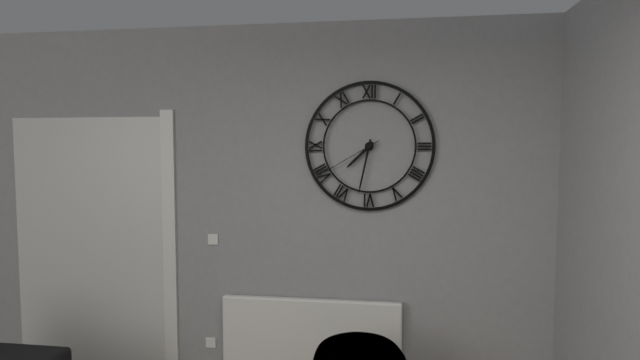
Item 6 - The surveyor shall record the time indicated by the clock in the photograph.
7:32:40
